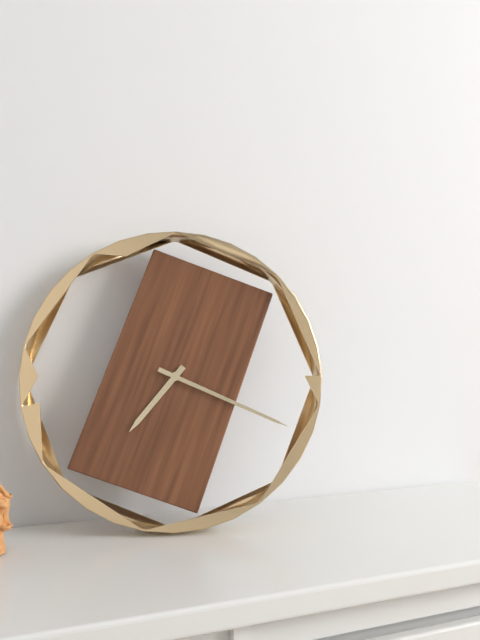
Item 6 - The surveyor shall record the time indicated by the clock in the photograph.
7:19
